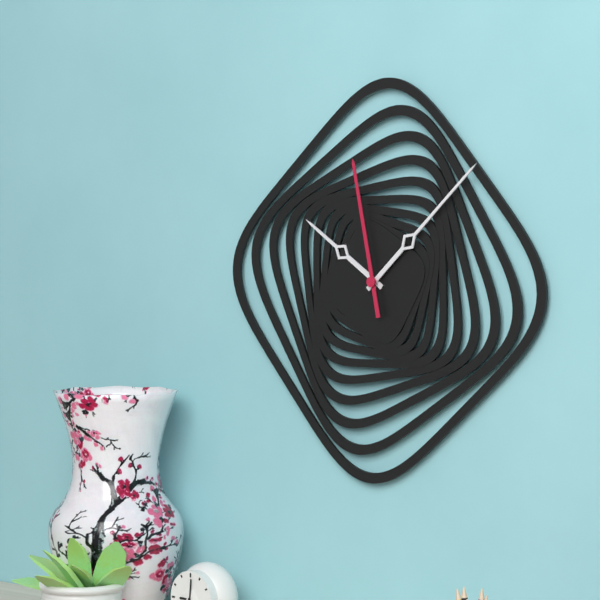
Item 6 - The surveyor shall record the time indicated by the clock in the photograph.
10:08:58
